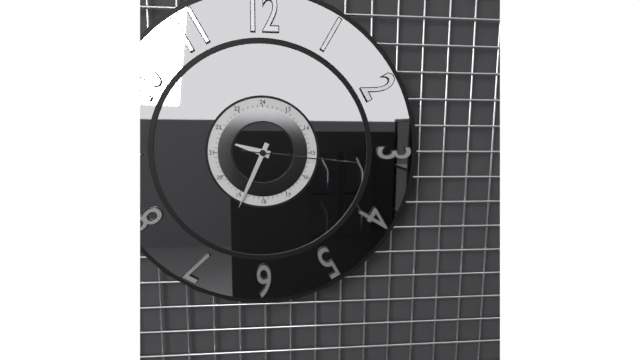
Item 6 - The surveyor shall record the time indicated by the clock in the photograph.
9:34:16
